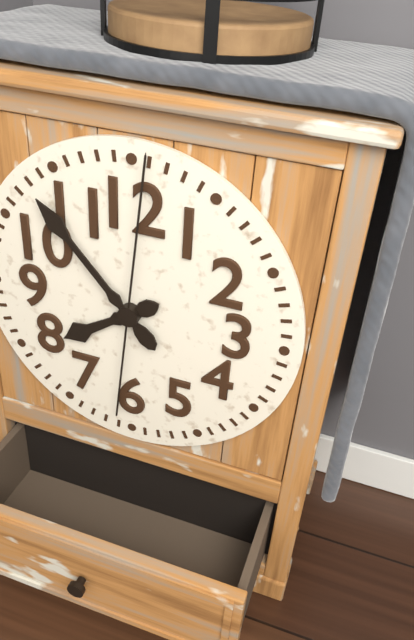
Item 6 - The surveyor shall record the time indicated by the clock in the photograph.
7:53:01
